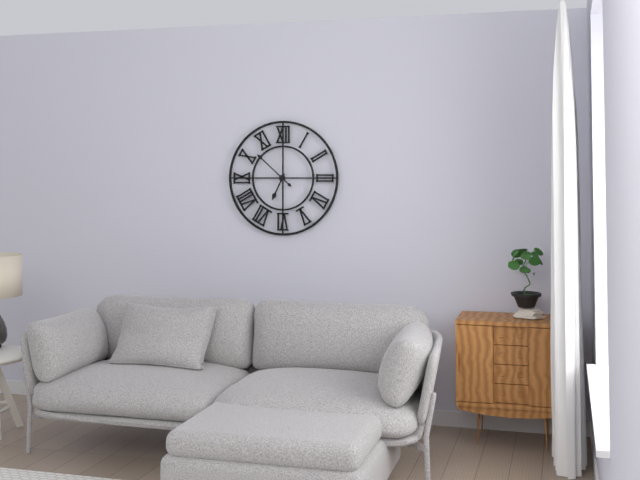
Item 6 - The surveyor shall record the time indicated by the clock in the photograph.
6:52
